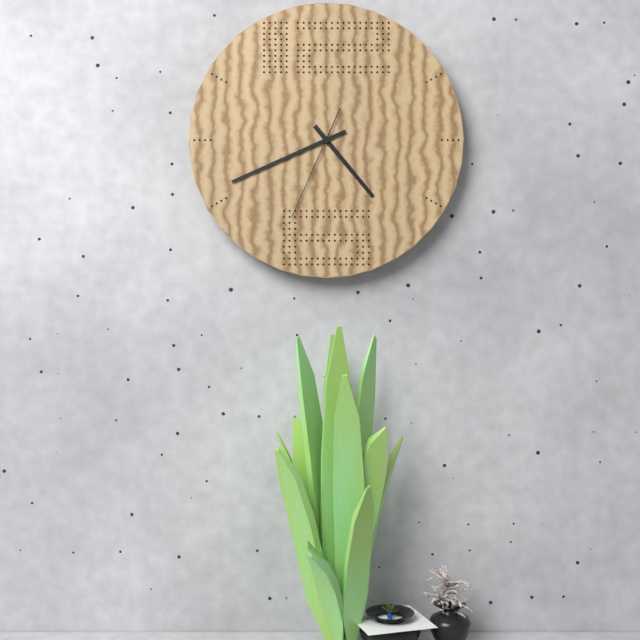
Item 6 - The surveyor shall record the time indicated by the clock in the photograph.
4:41:34
